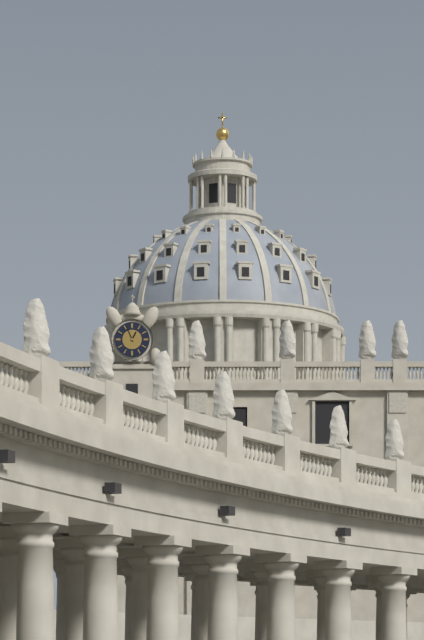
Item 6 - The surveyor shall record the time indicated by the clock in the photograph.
12:56
